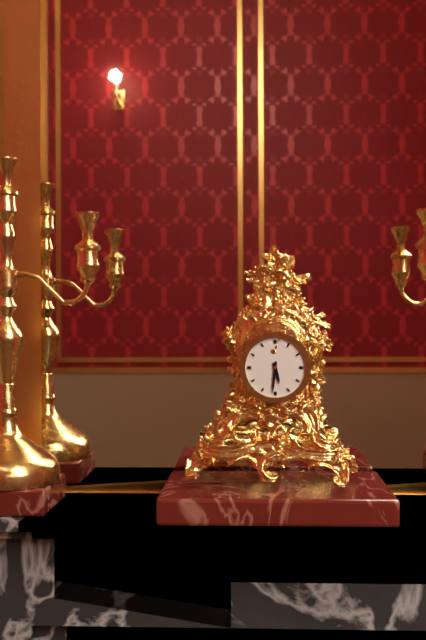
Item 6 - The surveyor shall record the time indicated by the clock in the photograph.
5:31
